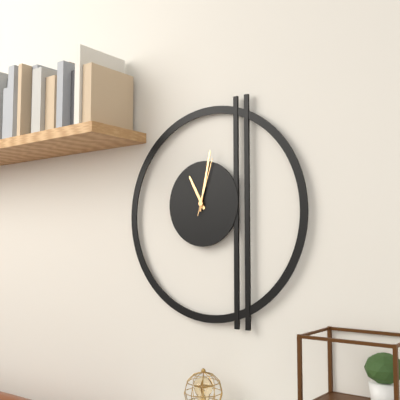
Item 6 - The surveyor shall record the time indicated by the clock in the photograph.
11:02:03
